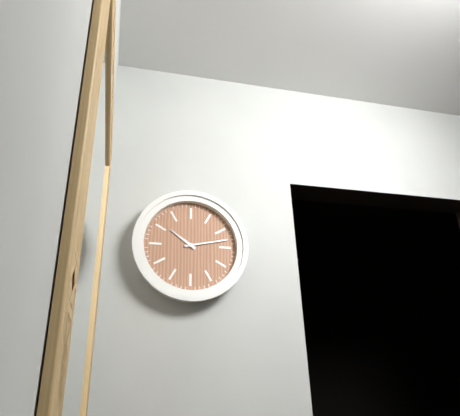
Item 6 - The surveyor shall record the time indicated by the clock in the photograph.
10:13
